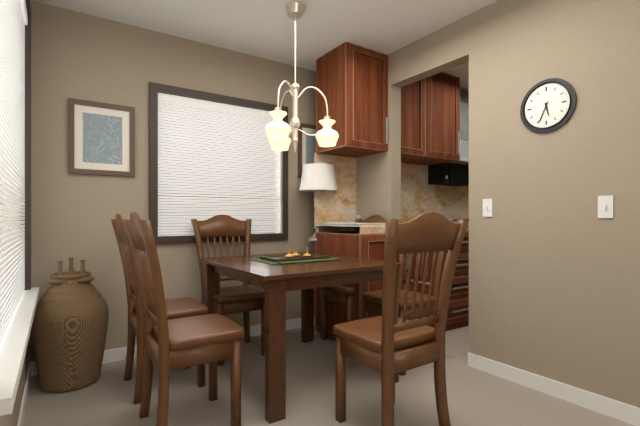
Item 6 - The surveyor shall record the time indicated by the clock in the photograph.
5:34
